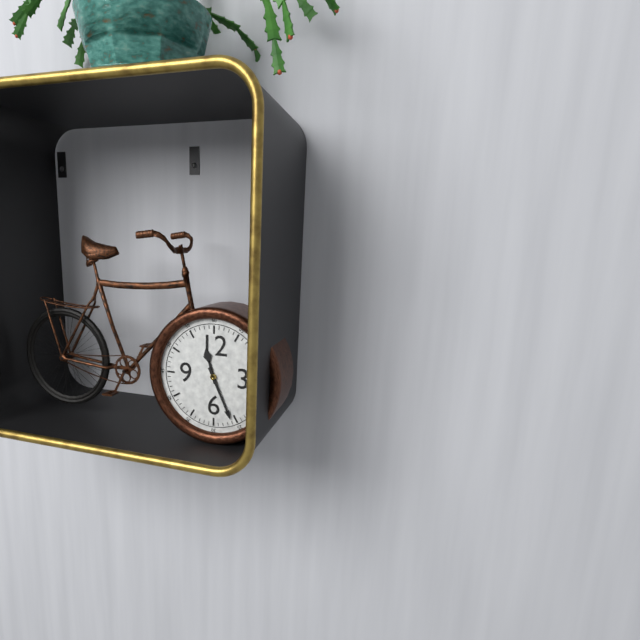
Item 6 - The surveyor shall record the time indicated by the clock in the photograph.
11:26
